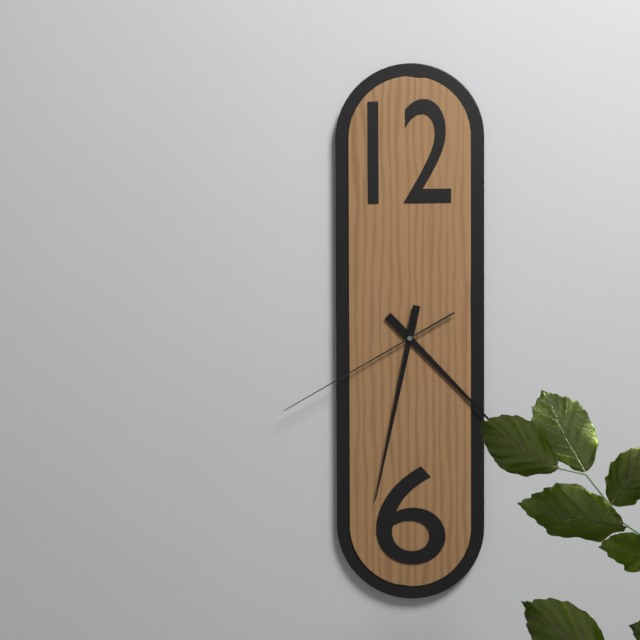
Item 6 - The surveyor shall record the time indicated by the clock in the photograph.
4:32:40
